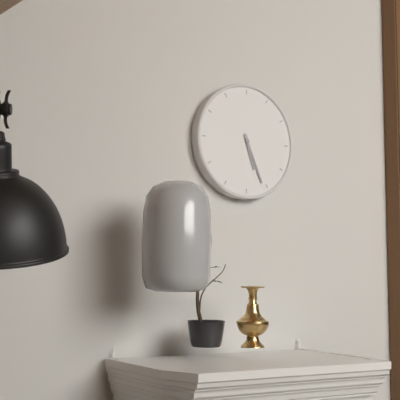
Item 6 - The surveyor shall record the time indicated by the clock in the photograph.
5:26
